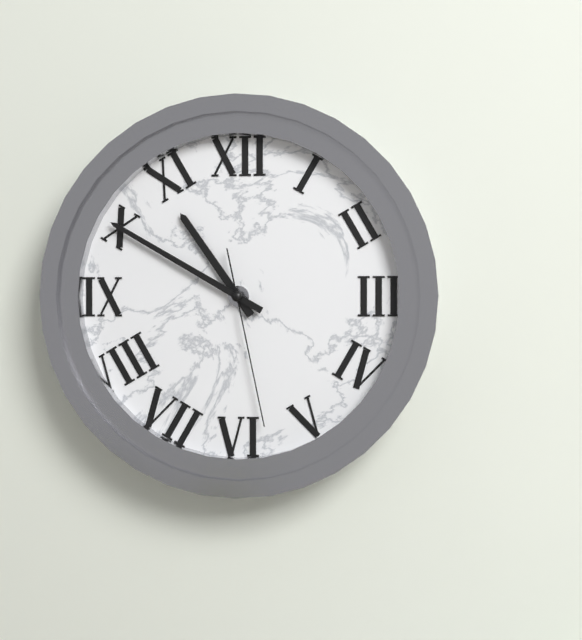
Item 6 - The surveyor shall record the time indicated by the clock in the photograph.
10:50:28
